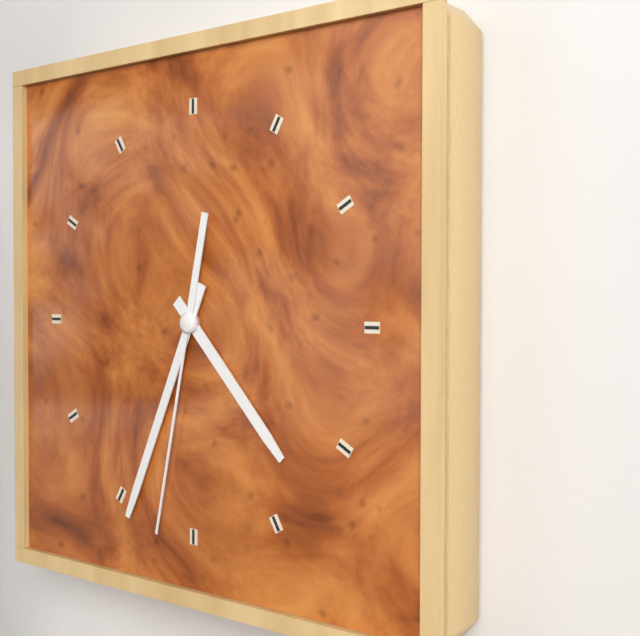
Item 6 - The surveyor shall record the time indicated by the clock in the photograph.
4:34:32
